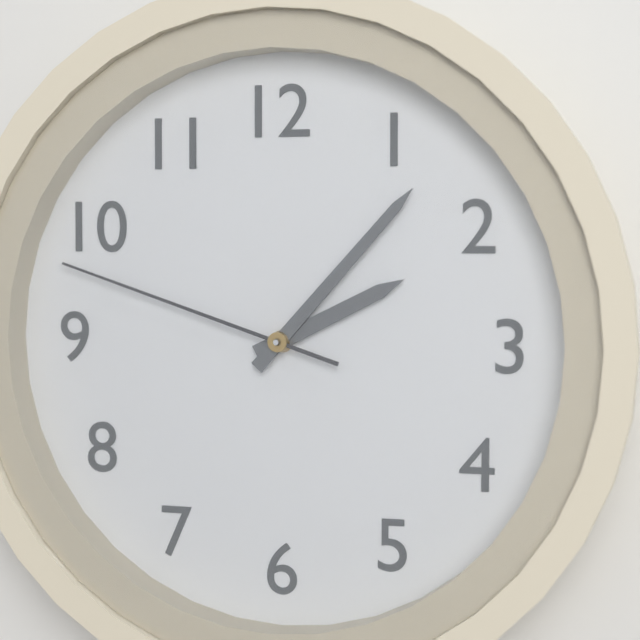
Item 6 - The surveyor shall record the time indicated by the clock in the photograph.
2:07:48
